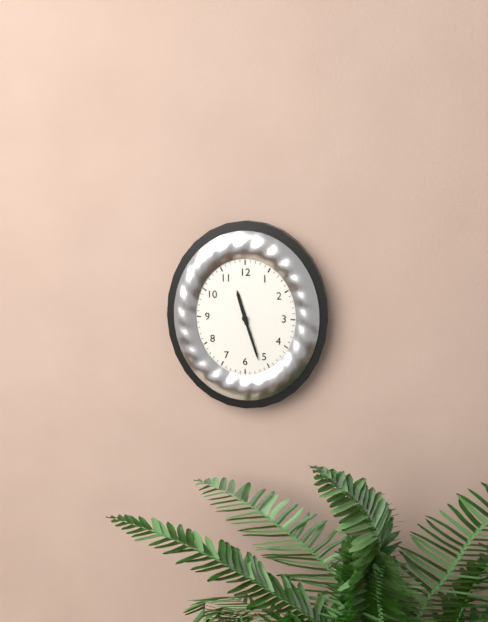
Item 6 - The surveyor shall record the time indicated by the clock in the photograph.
11:27
